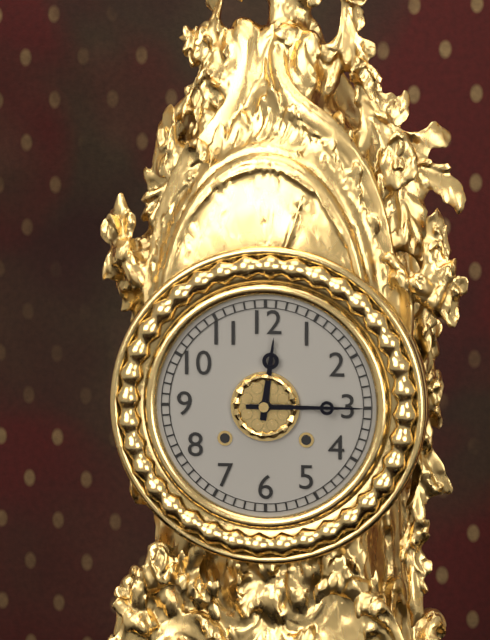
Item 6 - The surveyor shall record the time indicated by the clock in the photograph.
12:15
